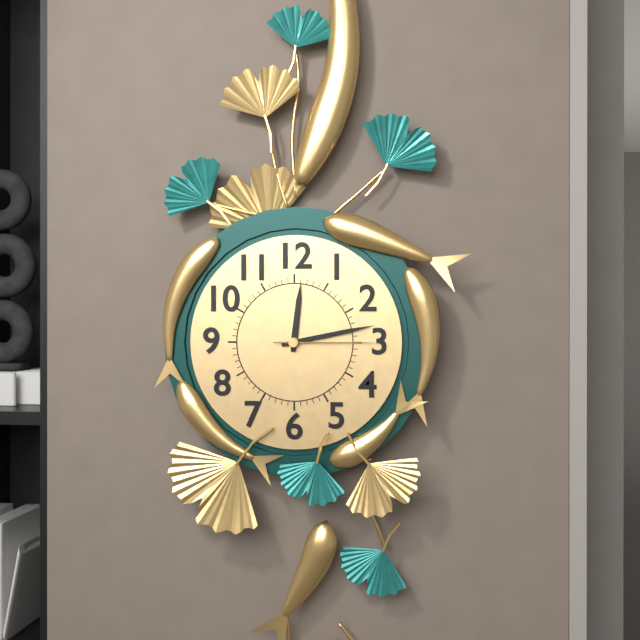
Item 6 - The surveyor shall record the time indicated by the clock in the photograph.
12:13:15
